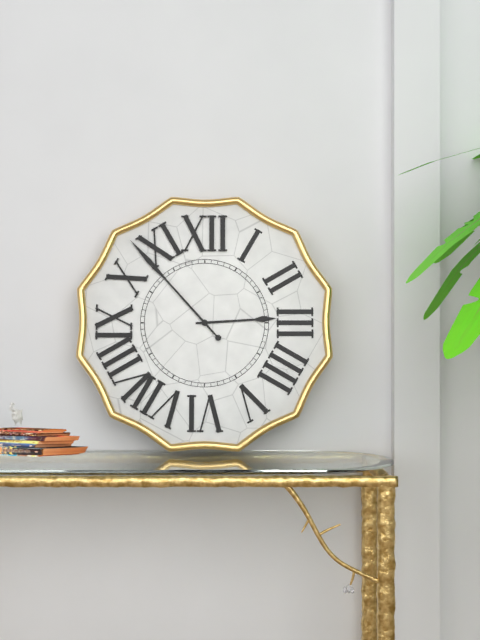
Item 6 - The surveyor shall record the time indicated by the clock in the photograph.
2:53
